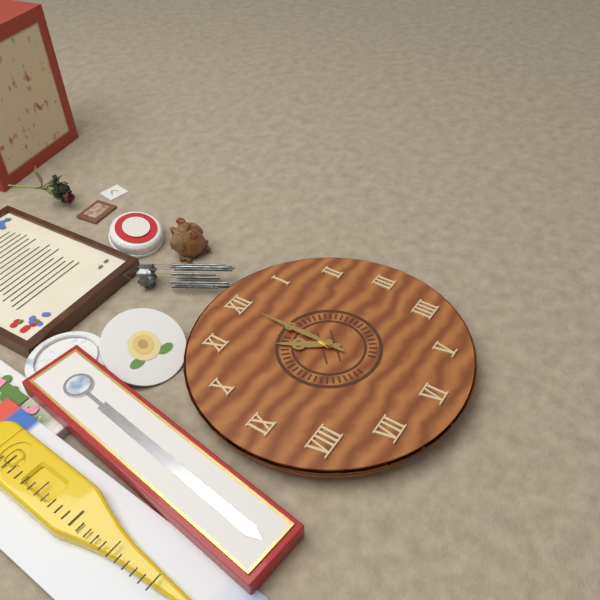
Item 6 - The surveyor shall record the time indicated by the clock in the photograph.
11:00
